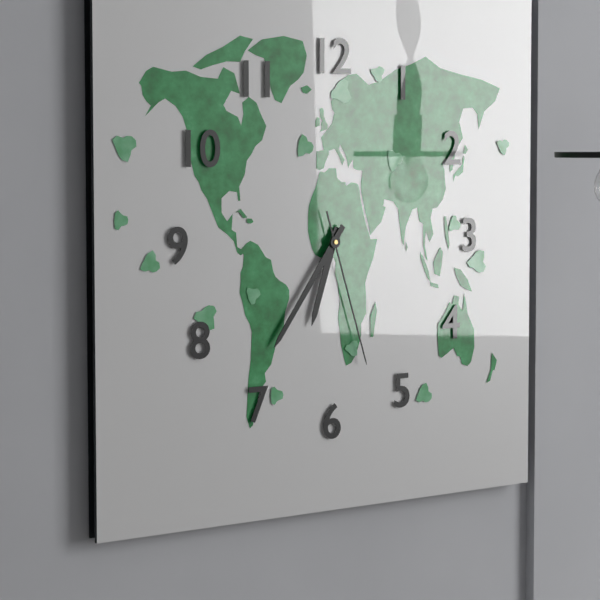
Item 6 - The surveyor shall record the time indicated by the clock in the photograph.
6:36:27
